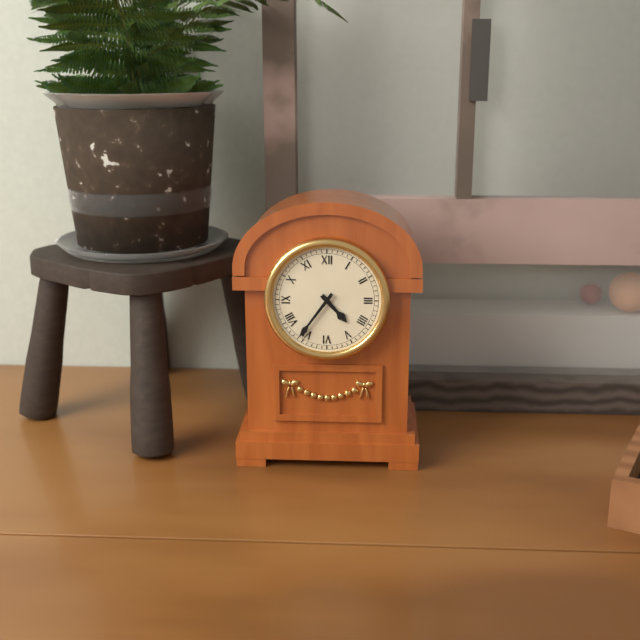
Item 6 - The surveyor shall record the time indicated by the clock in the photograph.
4:36
